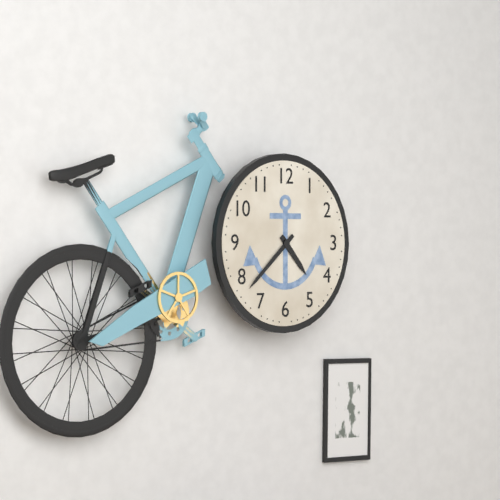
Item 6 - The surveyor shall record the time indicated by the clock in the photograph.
4:38
